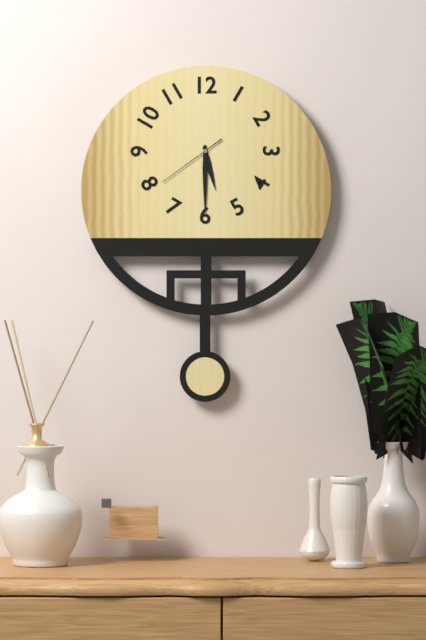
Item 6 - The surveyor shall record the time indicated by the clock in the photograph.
5:30:39
